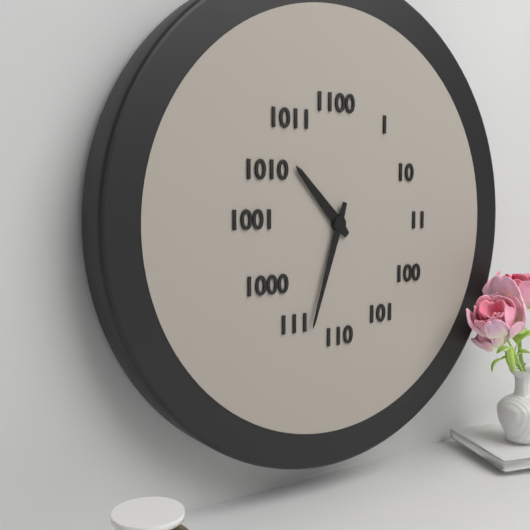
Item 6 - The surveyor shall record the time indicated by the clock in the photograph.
10:33
